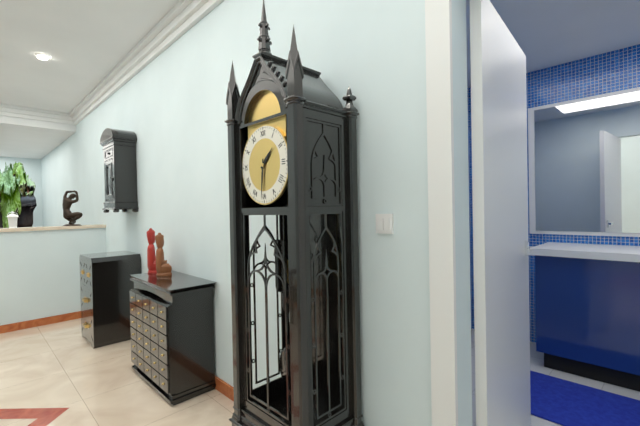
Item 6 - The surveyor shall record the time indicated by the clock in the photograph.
1:31
